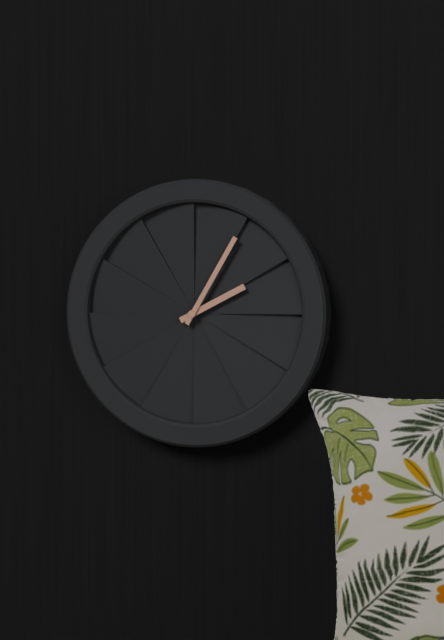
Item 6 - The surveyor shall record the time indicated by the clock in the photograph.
2:05
